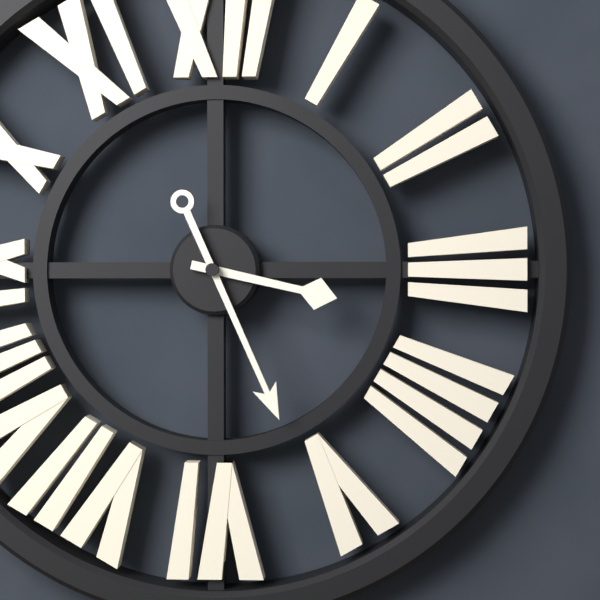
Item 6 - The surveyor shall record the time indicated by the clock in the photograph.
3:26
